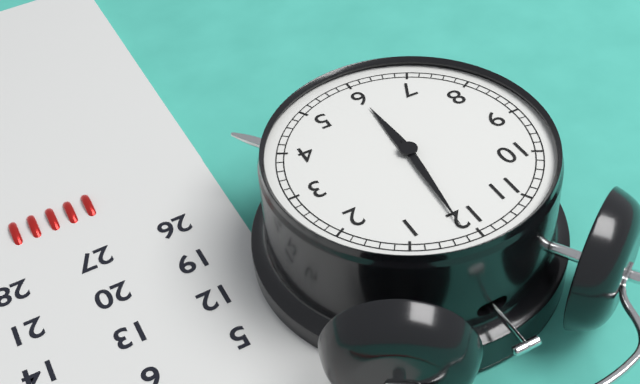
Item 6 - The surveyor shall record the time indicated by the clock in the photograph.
6:01
